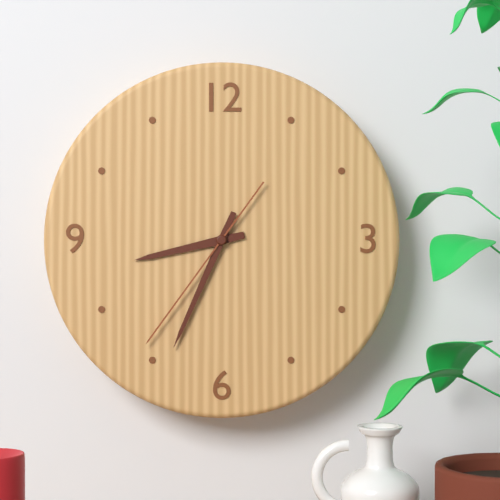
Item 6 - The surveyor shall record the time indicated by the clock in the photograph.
8:34:36
